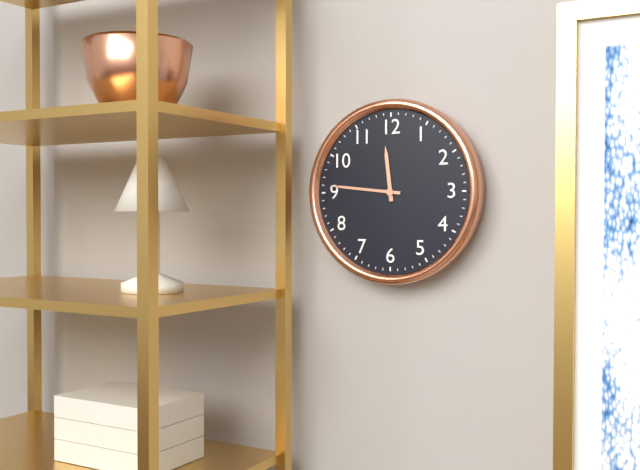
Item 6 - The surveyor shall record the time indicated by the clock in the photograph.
11:46
